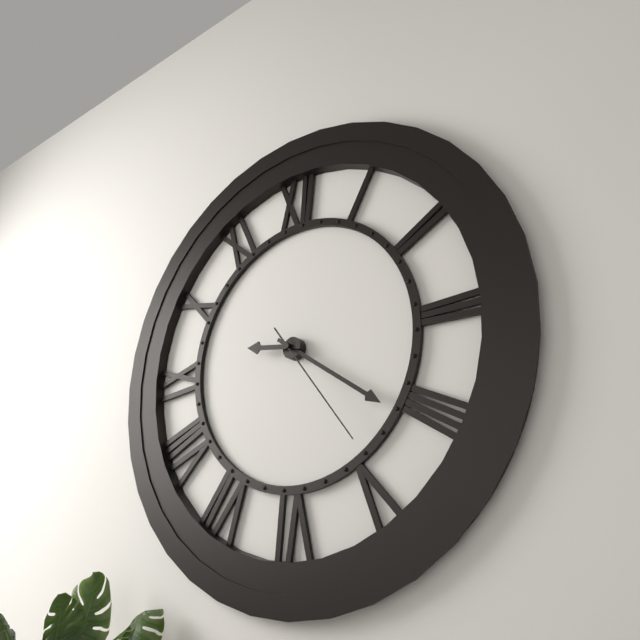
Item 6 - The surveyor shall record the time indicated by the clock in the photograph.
9:21:24
